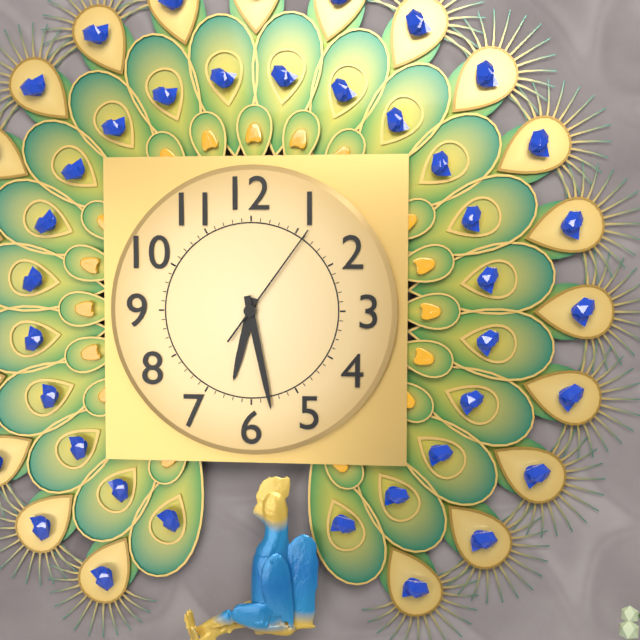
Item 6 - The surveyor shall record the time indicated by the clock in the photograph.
6:28:06
